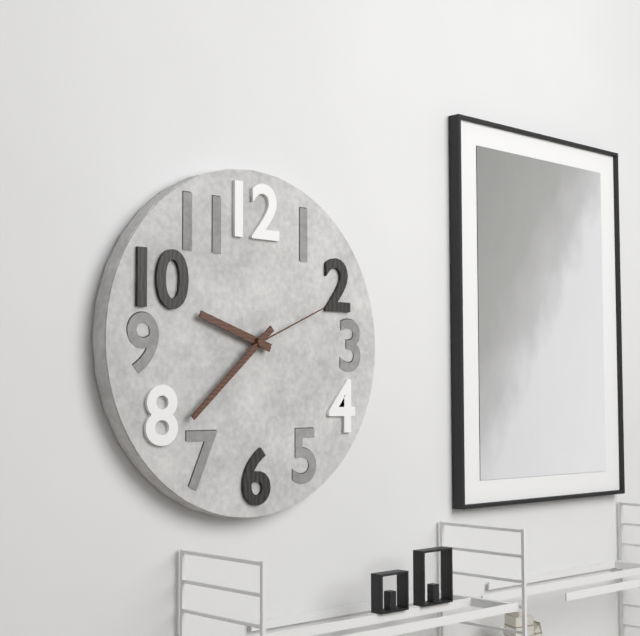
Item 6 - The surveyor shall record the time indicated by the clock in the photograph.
9:38:11
